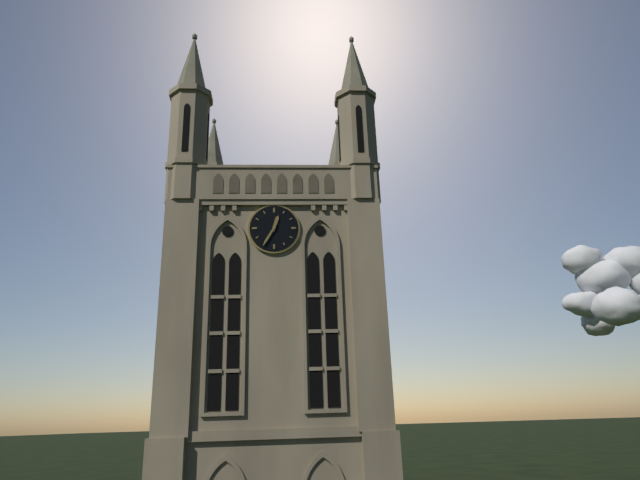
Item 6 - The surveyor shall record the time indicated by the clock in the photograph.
12:35
